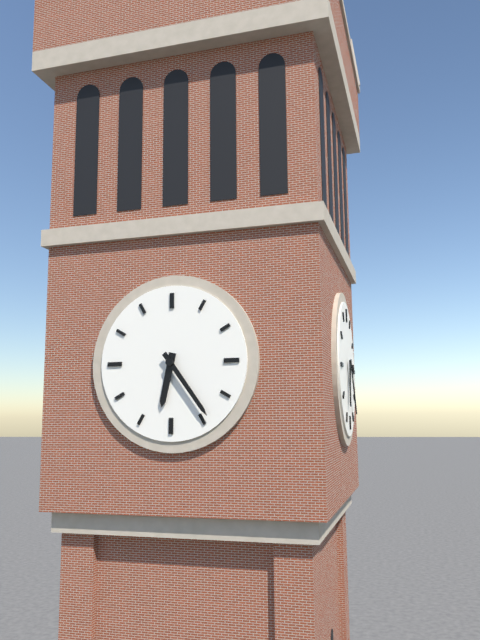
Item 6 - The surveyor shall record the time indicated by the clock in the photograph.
6:24
